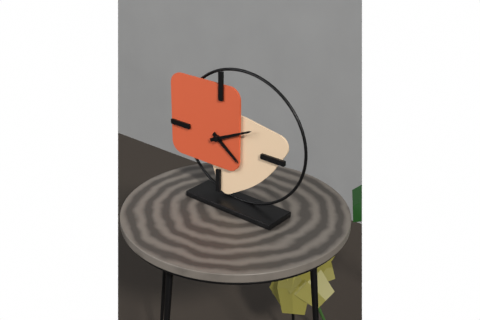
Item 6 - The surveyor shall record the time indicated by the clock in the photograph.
4:11
